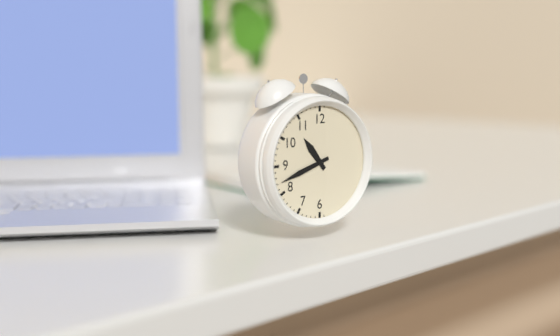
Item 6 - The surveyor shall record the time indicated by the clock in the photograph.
10:42
